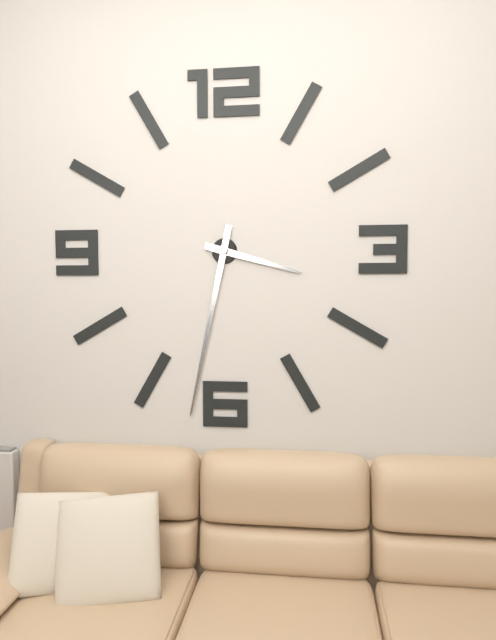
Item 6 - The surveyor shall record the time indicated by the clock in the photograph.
3:32
